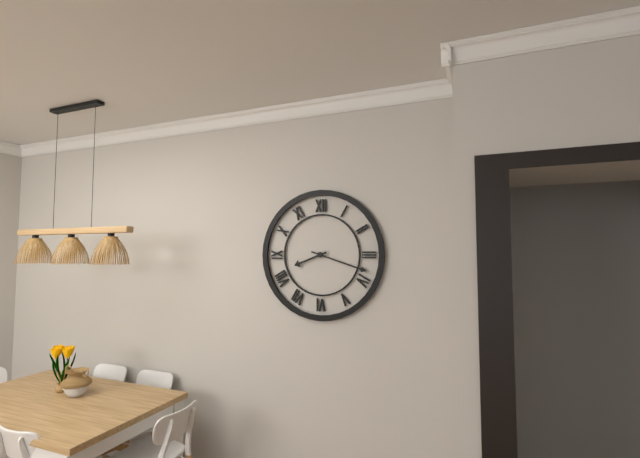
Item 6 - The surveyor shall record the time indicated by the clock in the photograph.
8:18
